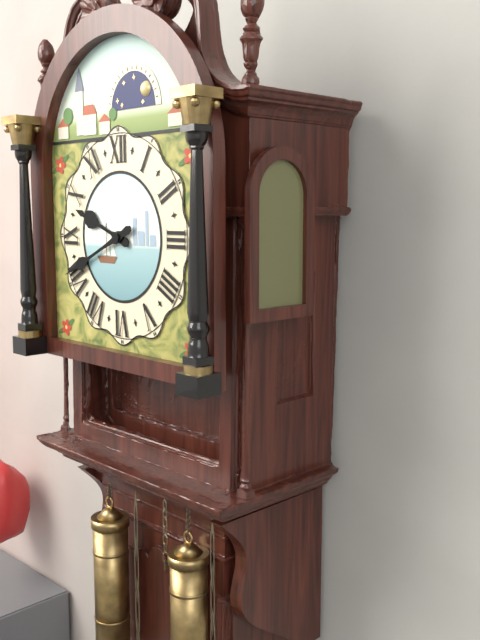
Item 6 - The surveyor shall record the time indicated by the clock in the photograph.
9:41
